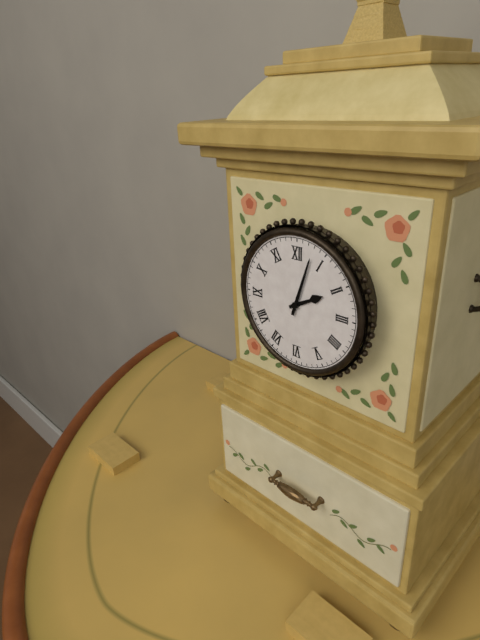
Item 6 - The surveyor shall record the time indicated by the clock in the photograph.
2:03
